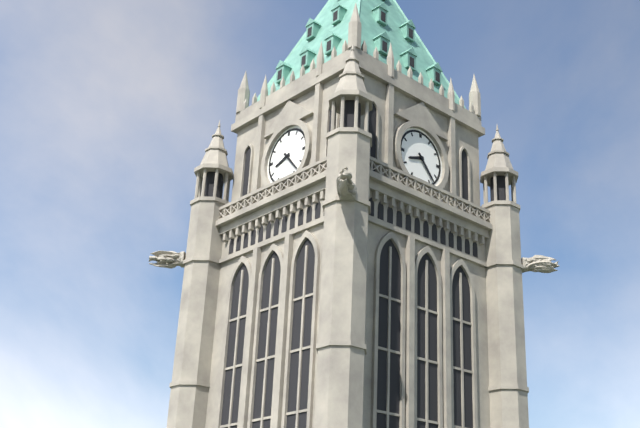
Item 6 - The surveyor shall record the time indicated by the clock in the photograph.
8:23
